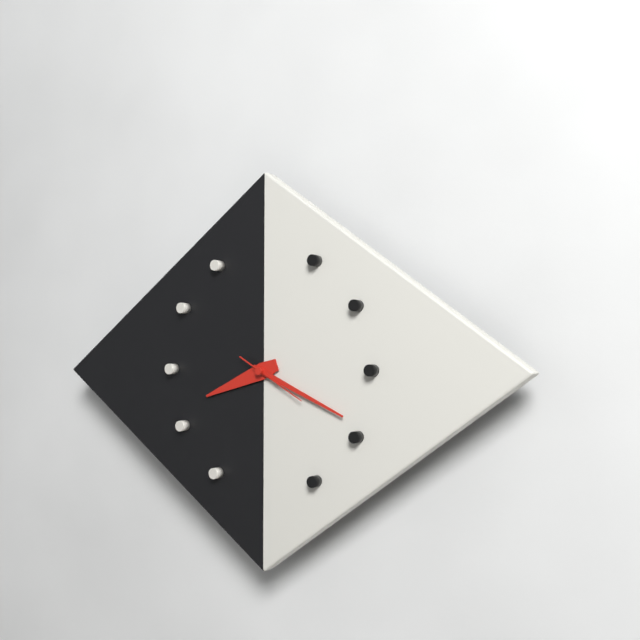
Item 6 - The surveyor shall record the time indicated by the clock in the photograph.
8:19:20
